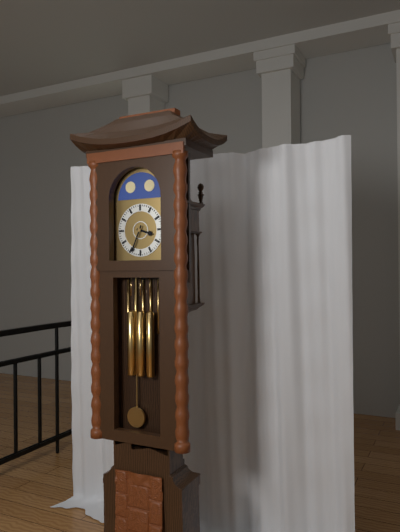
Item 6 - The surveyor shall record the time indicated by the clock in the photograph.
3:34
